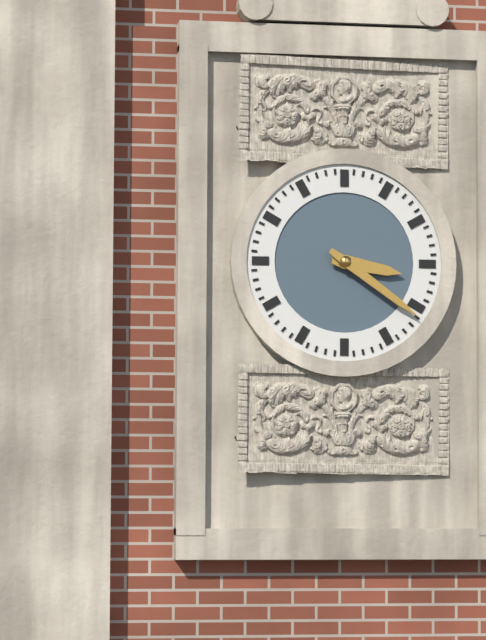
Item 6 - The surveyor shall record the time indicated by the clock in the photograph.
3:21
